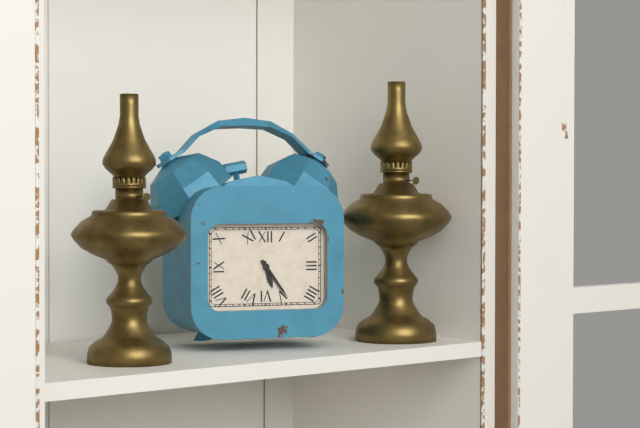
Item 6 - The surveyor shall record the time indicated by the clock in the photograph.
5:24
